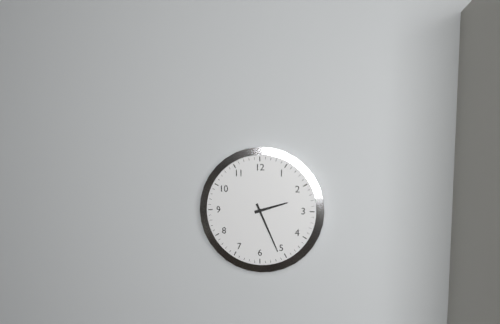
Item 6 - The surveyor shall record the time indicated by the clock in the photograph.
2:26
